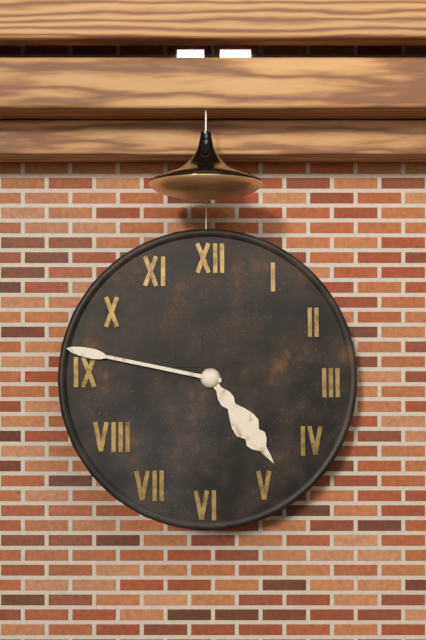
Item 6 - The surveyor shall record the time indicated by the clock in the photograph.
4:47
